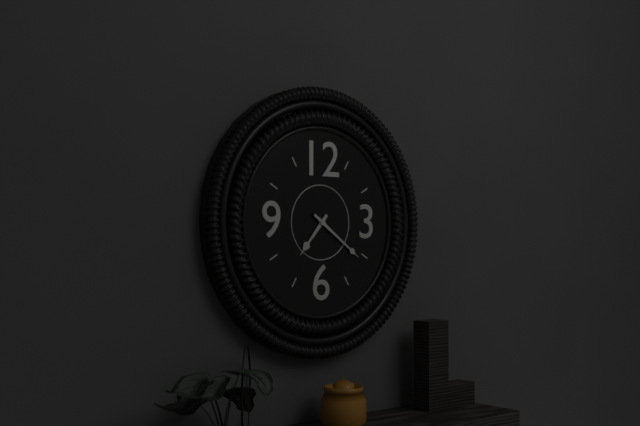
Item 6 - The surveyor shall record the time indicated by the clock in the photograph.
7:21
